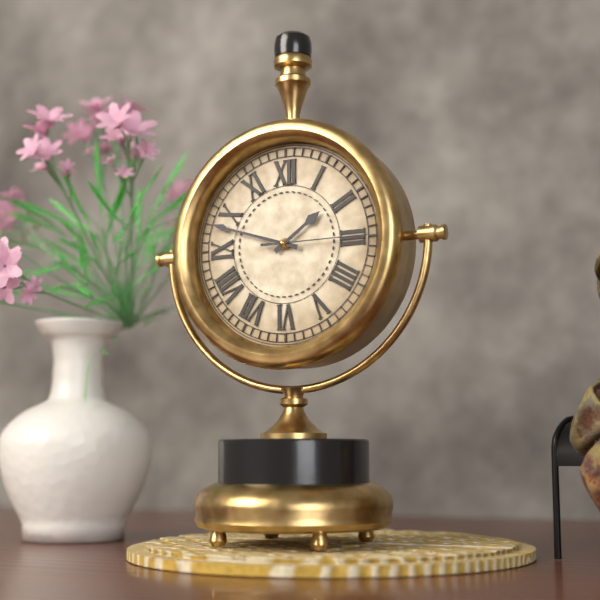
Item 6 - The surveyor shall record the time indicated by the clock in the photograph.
1:48:15
